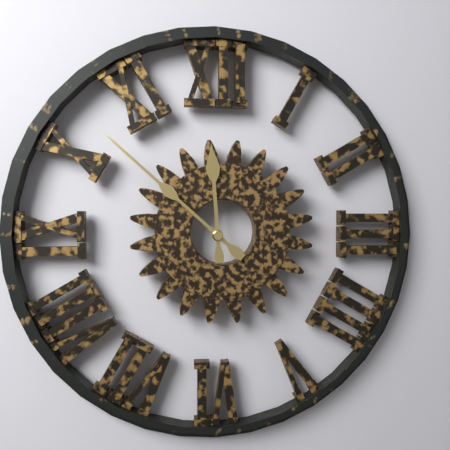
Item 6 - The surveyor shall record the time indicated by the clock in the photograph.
11:52
